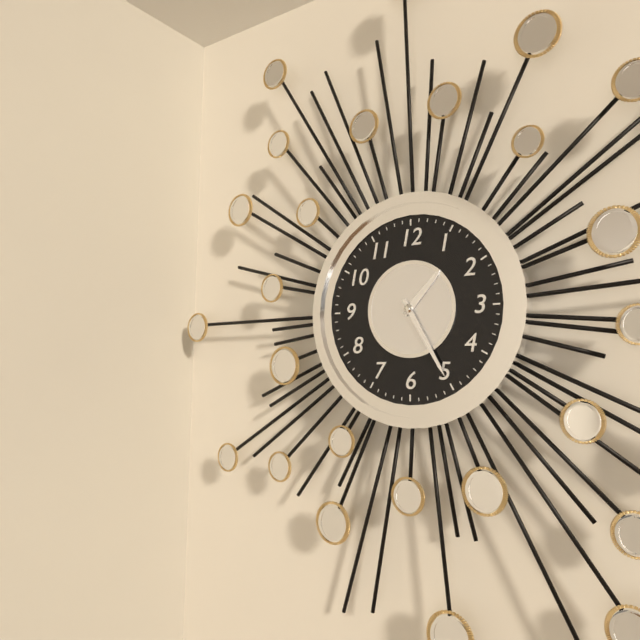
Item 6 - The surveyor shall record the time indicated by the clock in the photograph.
1:25
